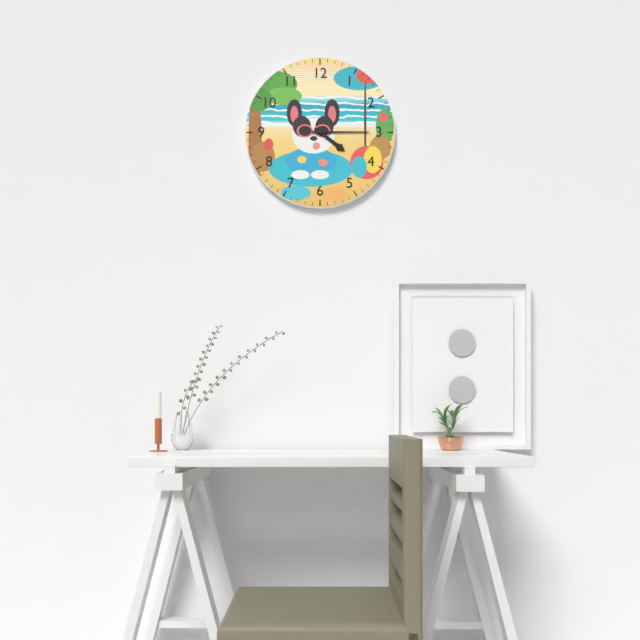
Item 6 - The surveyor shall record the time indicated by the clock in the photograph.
4:15
